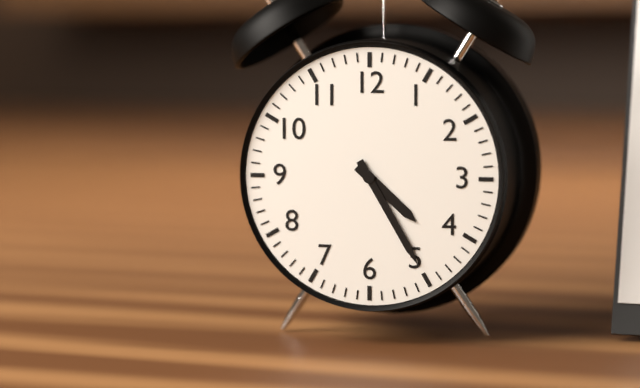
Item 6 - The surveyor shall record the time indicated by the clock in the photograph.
4:25
